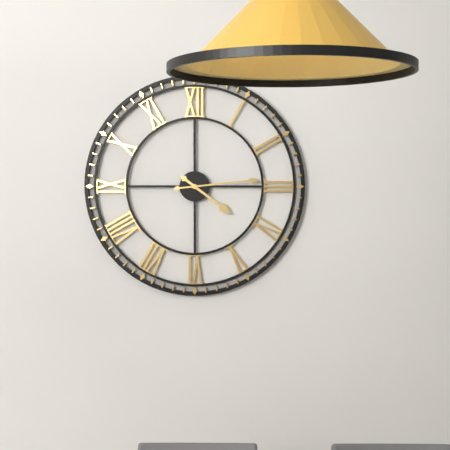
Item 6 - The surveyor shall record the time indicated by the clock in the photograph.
4:14
